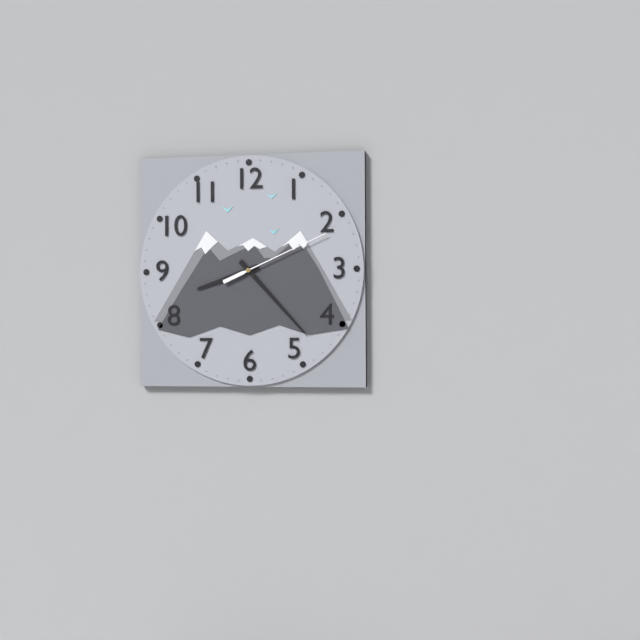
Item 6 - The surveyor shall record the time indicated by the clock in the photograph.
8:23:11
